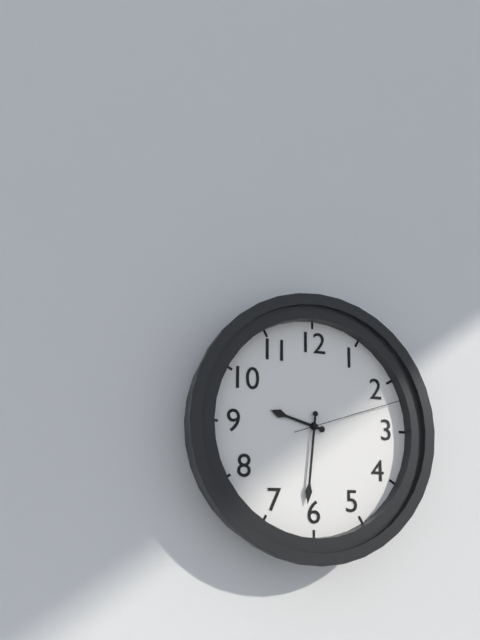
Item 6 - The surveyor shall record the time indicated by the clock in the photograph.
9:31:12
